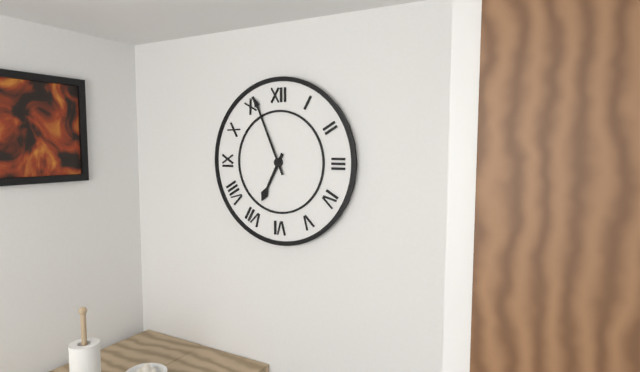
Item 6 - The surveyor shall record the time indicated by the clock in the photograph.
6:56
